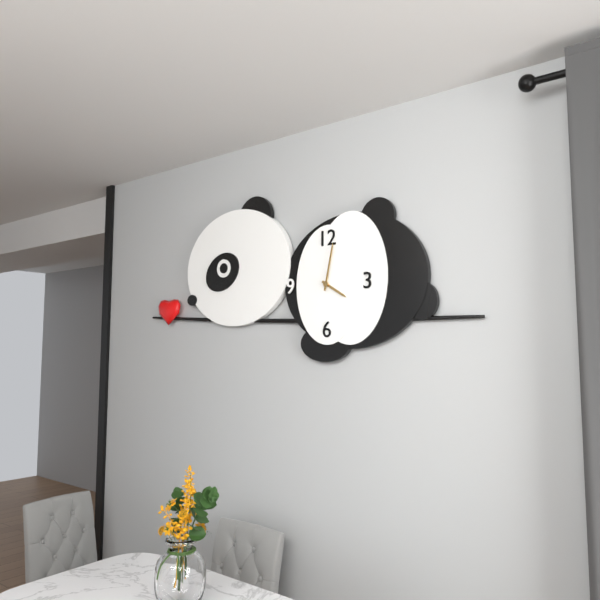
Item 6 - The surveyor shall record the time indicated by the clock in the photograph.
4:02
